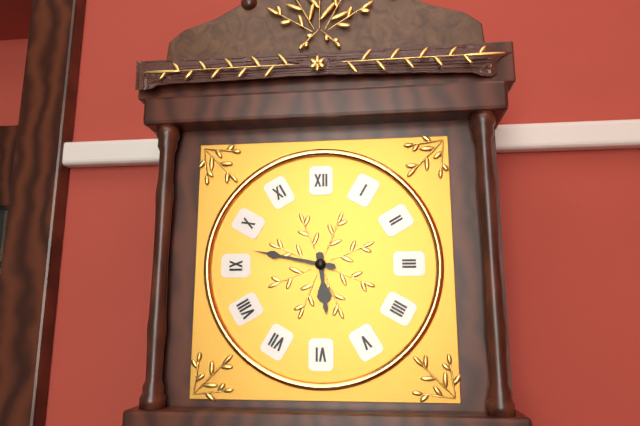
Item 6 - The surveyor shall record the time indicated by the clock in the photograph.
5:47
